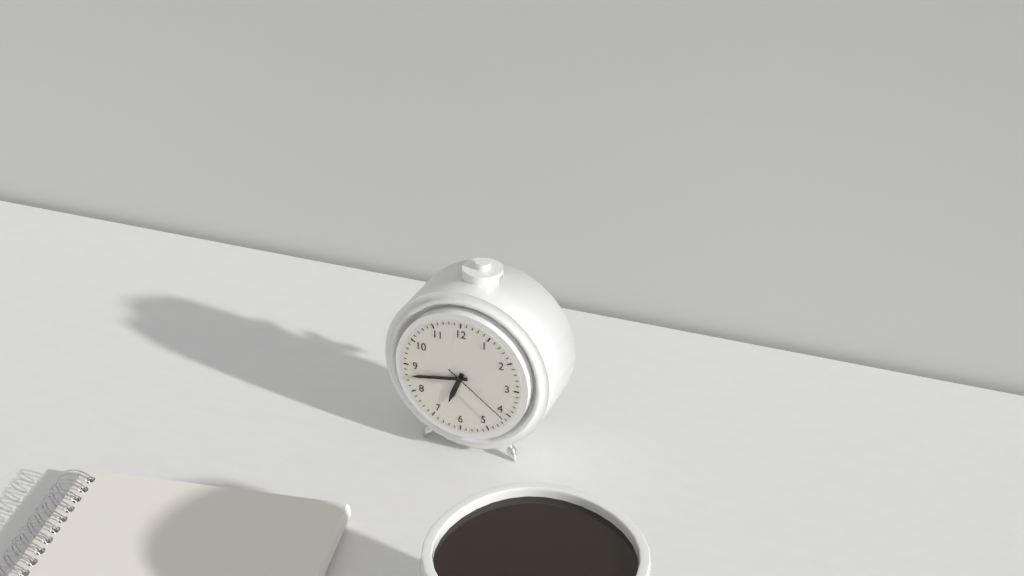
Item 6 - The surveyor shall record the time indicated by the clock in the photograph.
6:43:21
